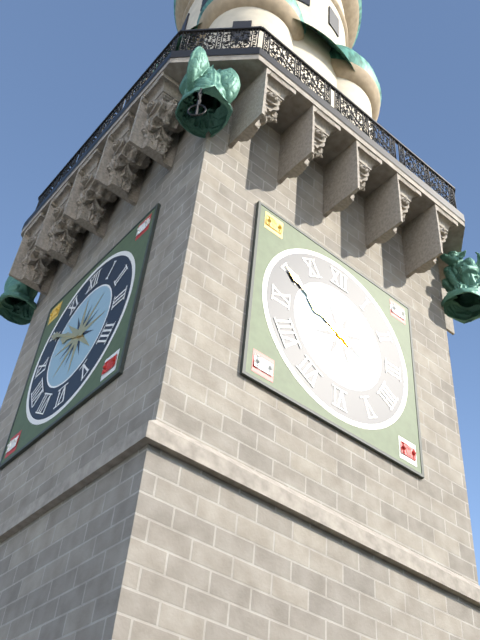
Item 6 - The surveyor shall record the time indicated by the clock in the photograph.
9:50
